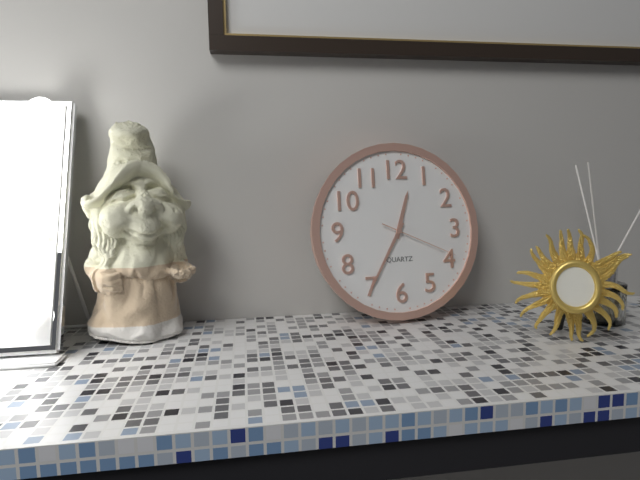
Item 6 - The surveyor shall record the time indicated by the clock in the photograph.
12:35:19
